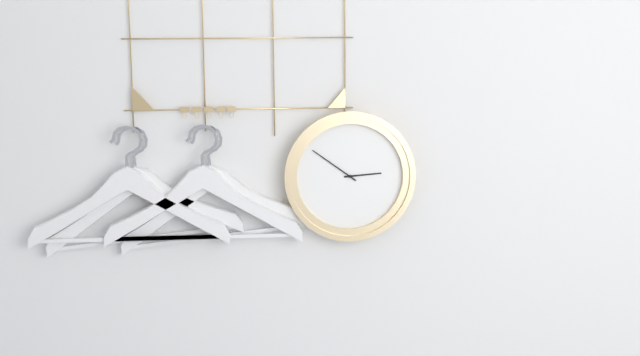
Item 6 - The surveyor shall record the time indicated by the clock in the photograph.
2:51
